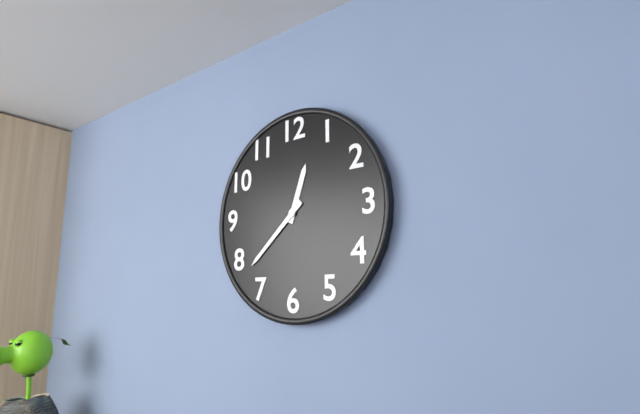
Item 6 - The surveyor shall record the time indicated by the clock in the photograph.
12:38
